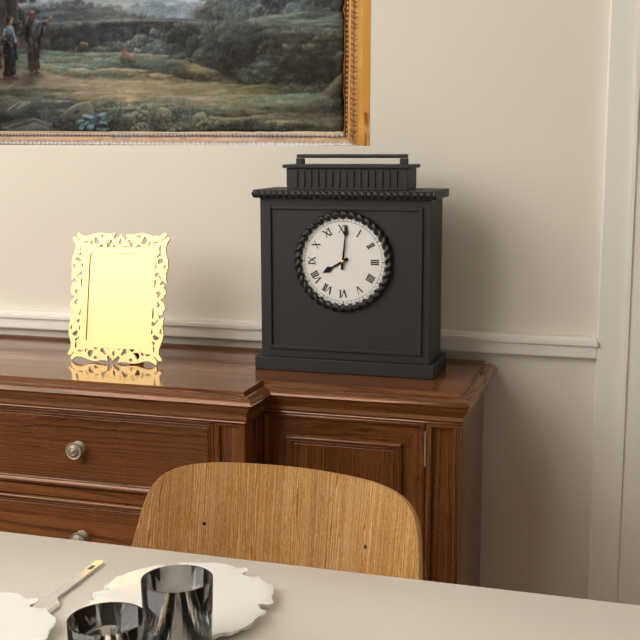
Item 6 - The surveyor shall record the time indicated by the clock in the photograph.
8:01
